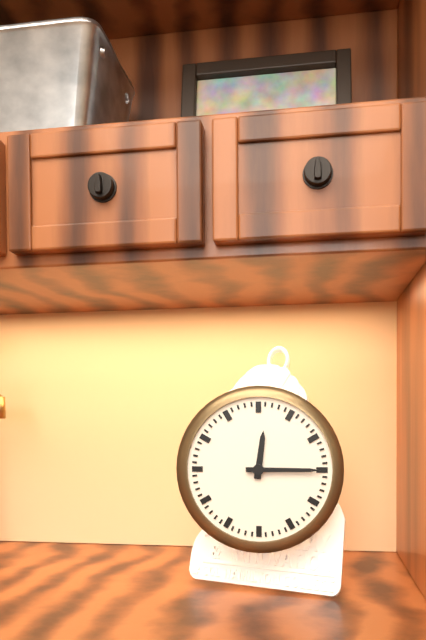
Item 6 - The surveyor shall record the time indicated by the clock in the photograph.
12:15
